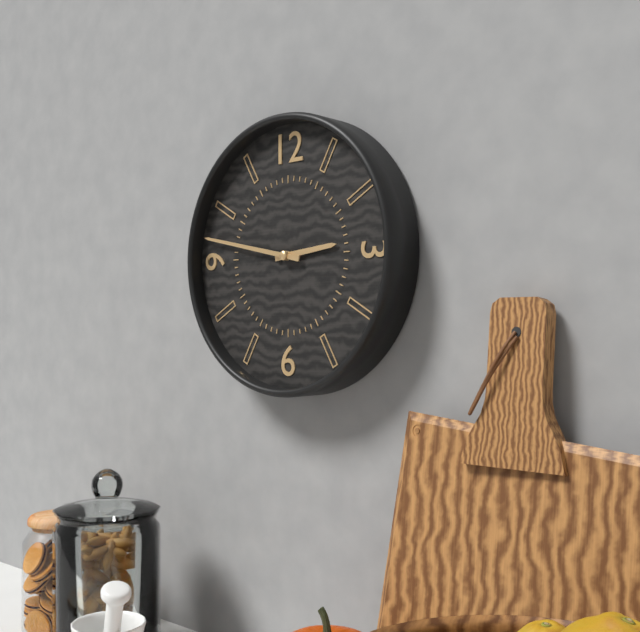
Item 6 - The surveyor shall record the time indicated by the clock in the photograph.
2:47
